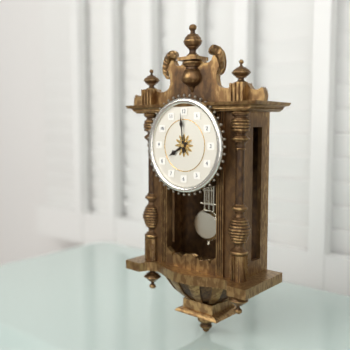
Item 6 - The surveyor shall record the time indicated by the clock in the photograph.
7:59
